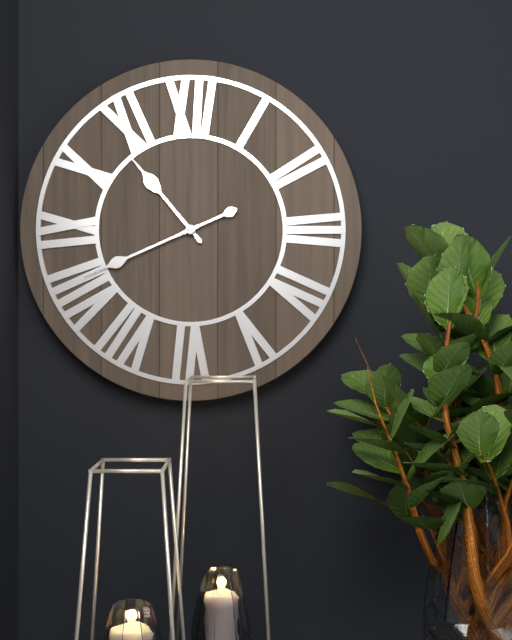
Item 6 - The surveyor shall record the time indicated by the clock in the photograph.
10:41
